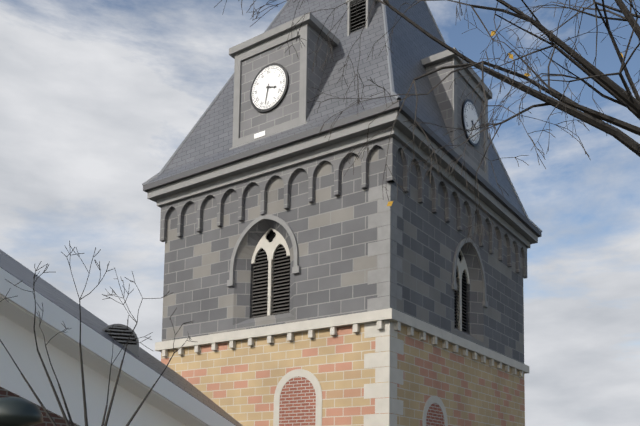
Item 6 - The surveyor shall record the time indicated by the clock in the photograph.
3:32
